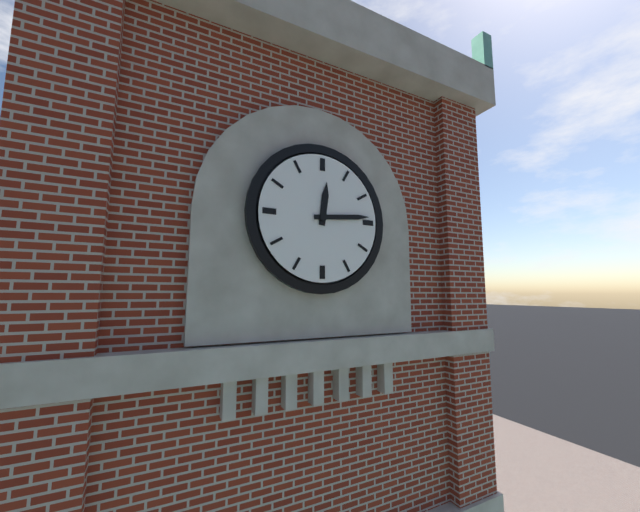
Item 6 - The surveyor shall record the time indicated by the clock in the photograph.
12:14
